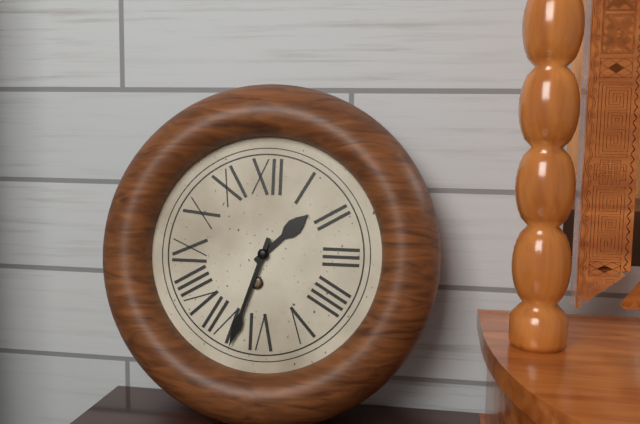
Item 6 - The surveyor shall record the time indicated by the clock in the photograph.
1:33
